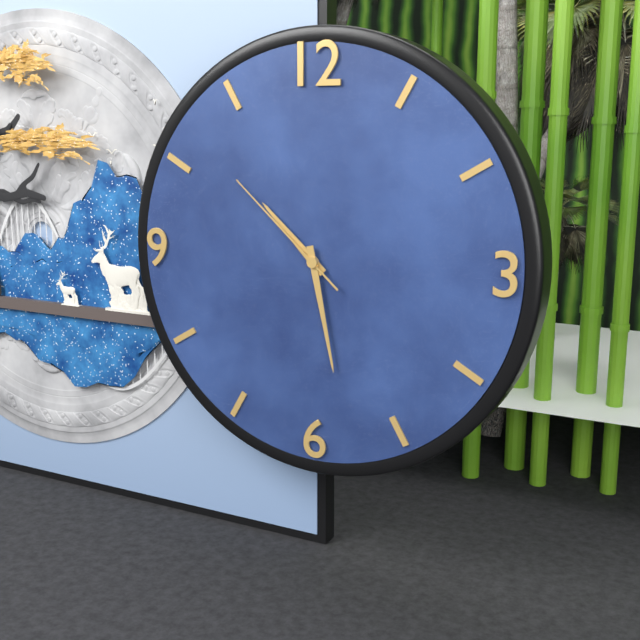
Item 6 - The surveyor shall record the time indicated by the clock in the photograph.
10:28:52
